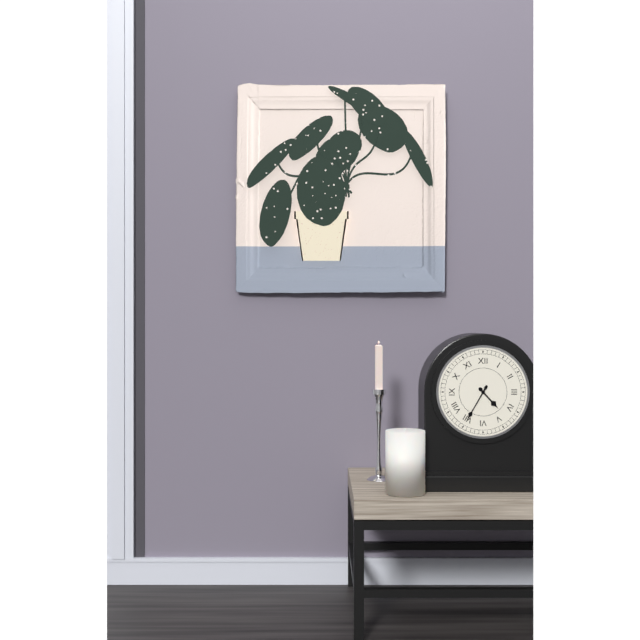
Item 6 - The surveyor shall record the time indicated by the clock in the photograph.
4:35
